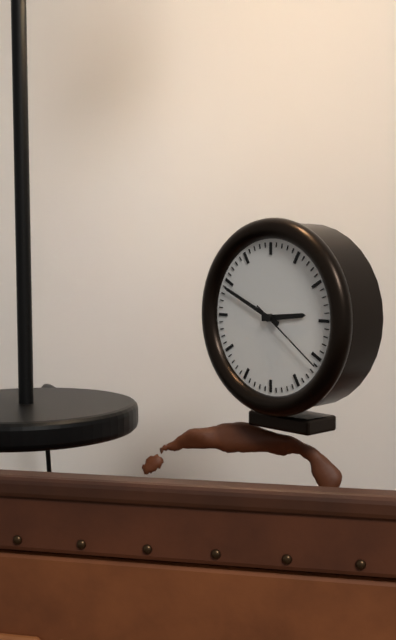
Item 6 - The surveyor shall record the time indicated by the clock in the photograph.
2:49:21
